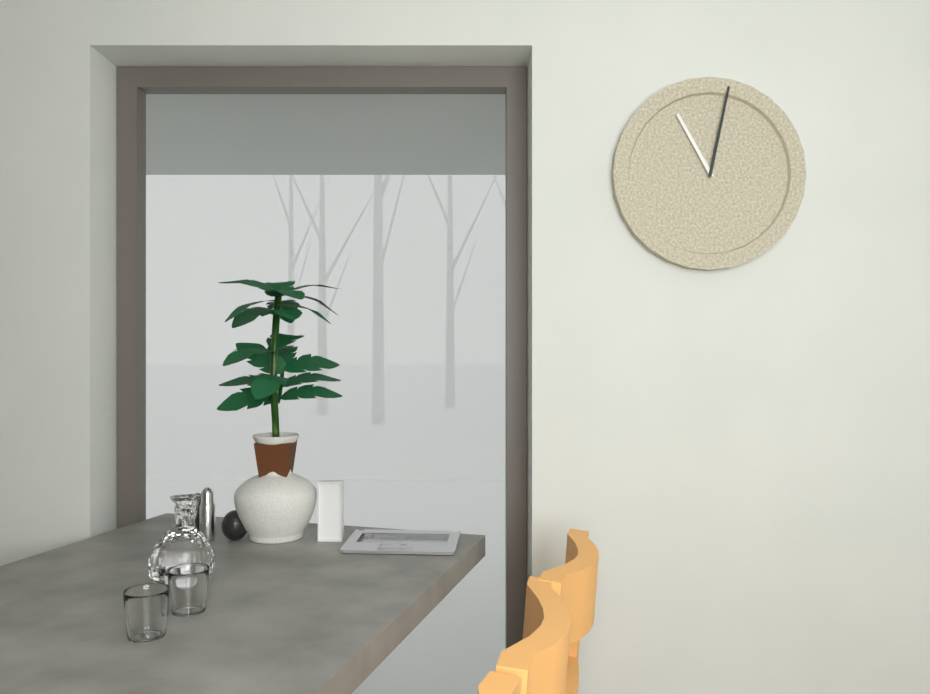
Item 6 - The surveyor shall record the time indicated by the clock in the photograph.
11:02
